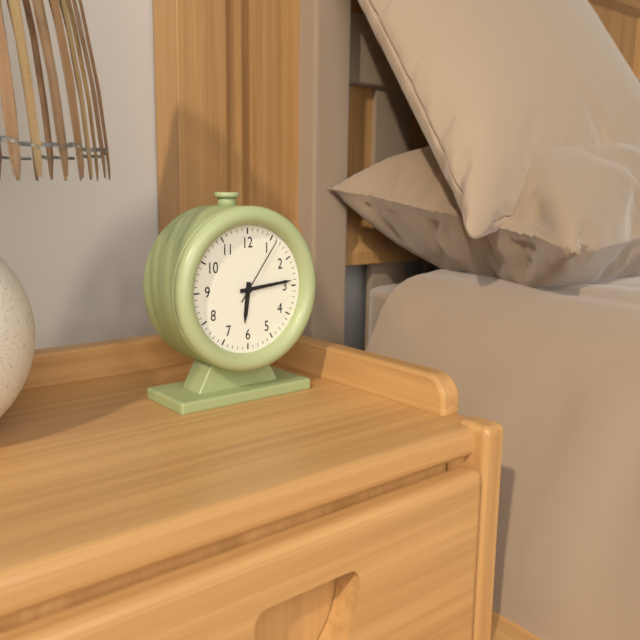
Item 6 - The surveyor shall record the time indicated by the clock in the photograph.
6:14:06
